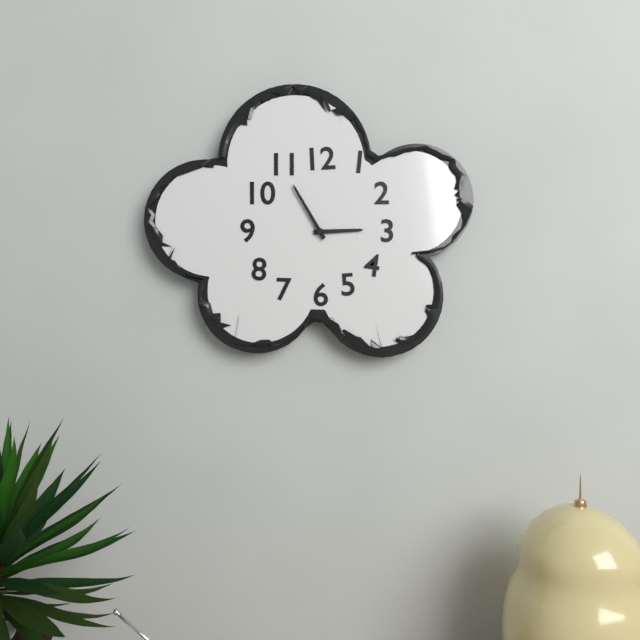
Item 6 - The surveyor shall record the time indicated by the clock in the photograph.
2:55
